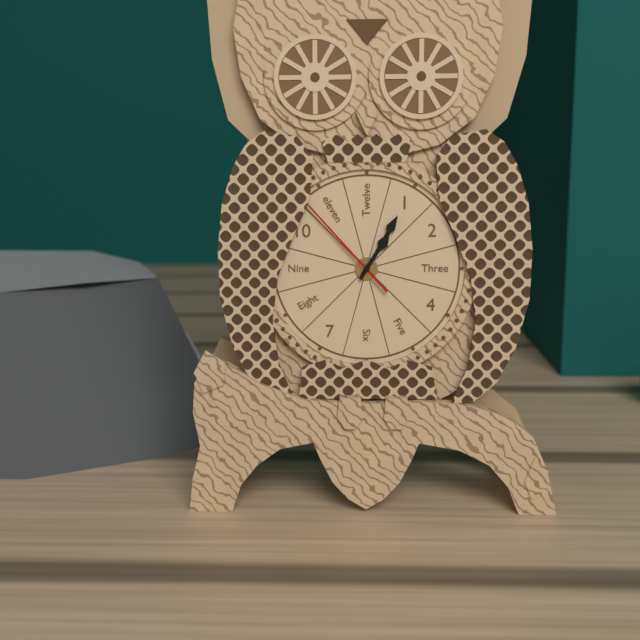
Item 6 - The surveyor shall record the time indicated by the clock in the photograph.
1:05:53
